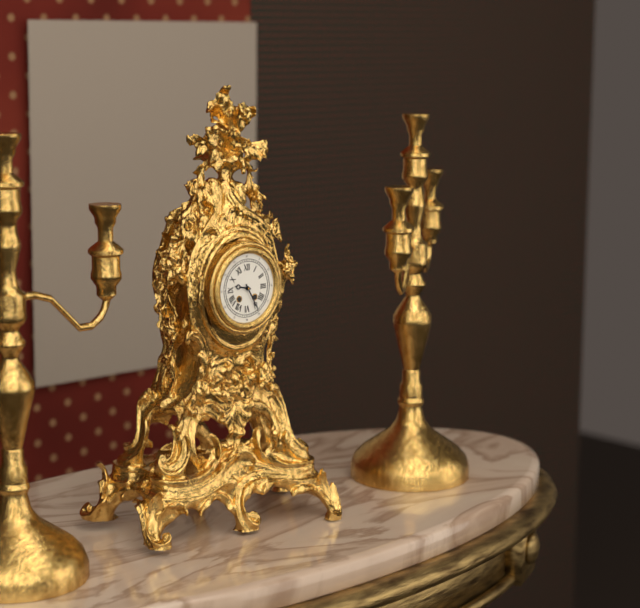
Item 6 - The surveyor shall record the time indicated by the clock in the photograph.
9:25
